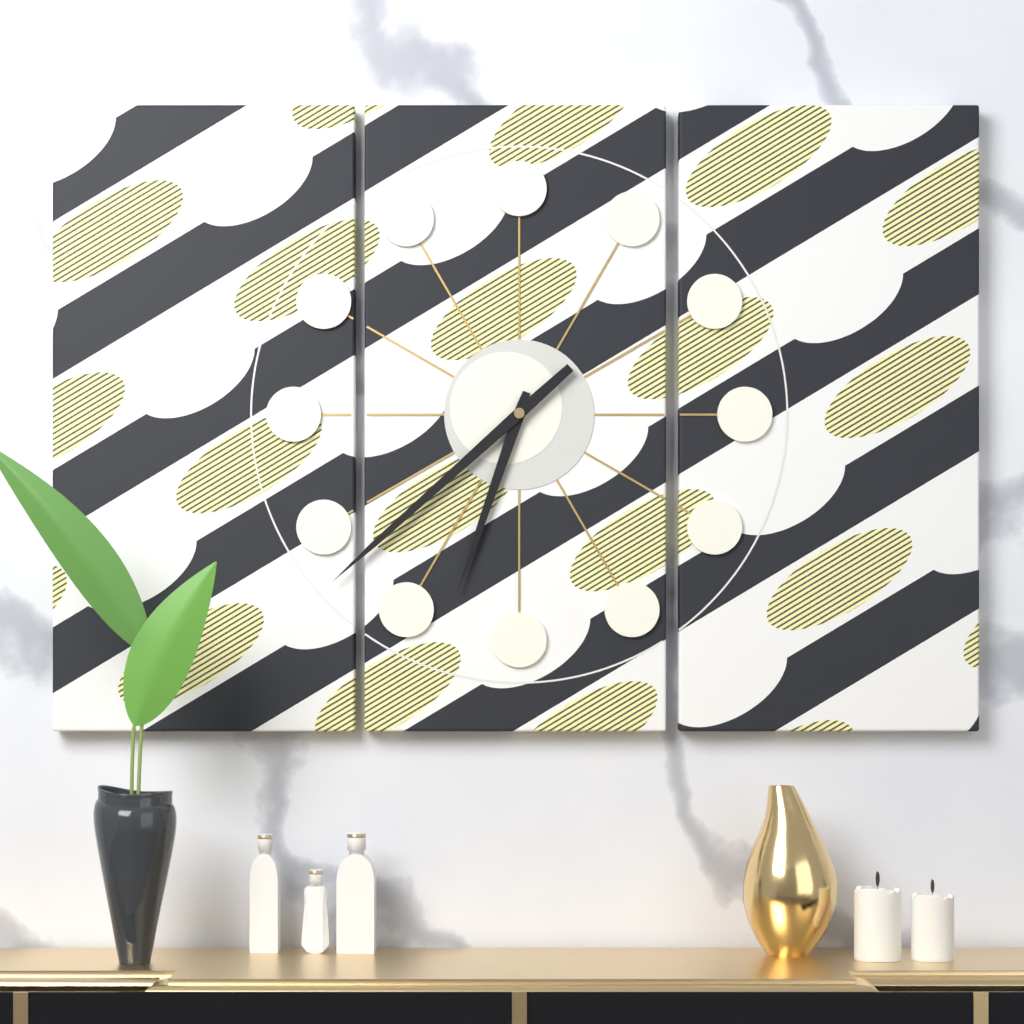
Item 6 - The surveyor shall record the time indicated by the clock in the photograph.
6:38
